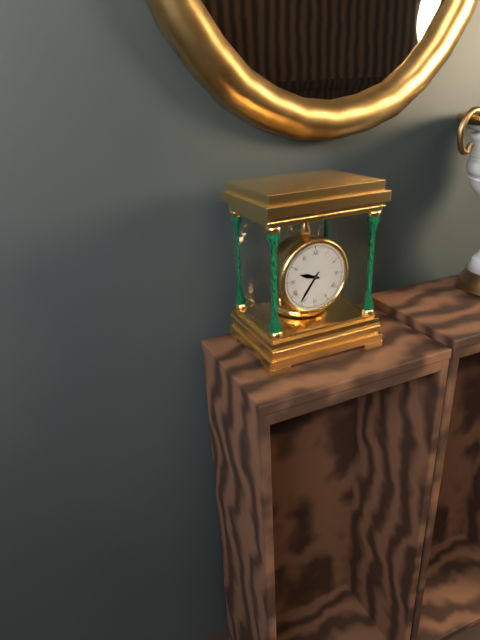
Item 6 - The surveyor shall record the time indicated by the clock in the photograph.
9:36
